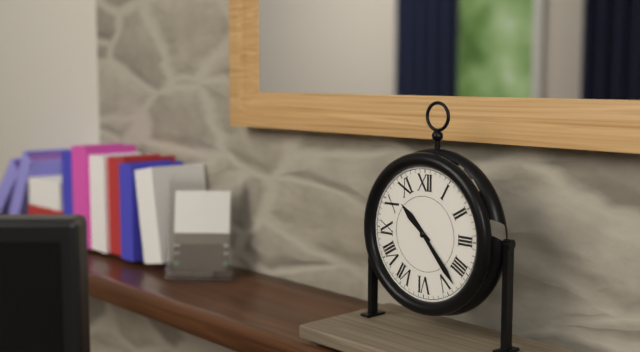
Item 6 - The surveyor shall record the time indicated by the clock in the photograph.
10:23
